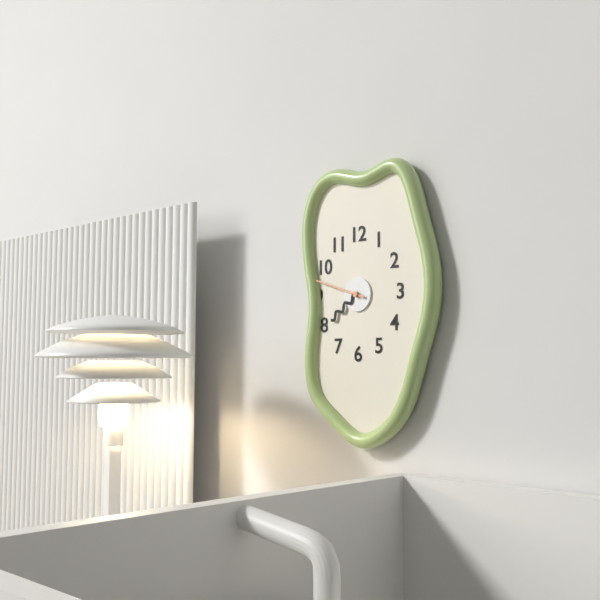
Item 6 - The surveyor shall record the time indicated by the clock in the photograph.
7:48
